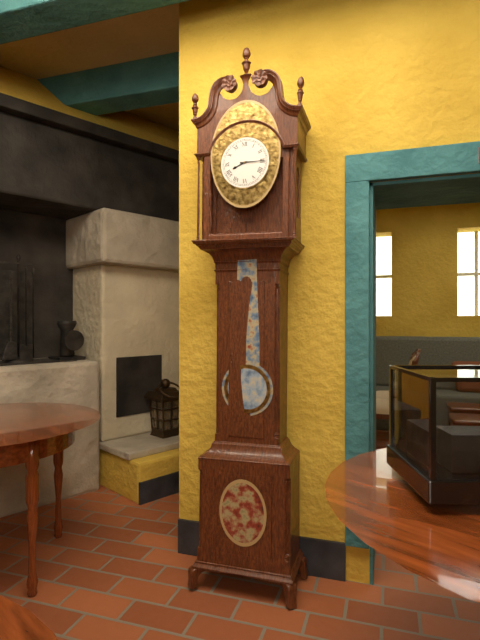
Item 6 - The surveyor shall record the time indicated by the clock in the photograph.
8:15
